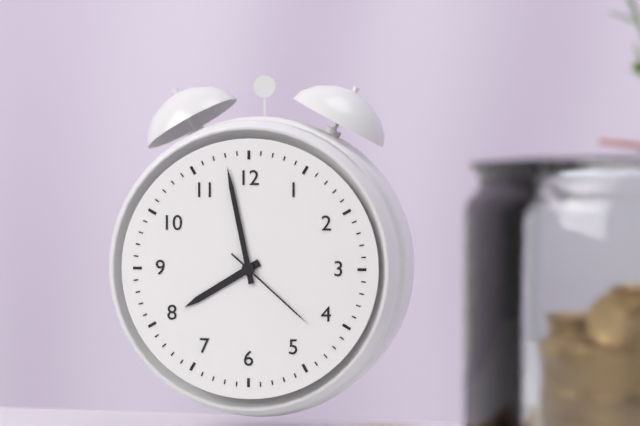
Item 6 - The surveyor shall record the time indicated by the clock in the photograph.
7:58:22
